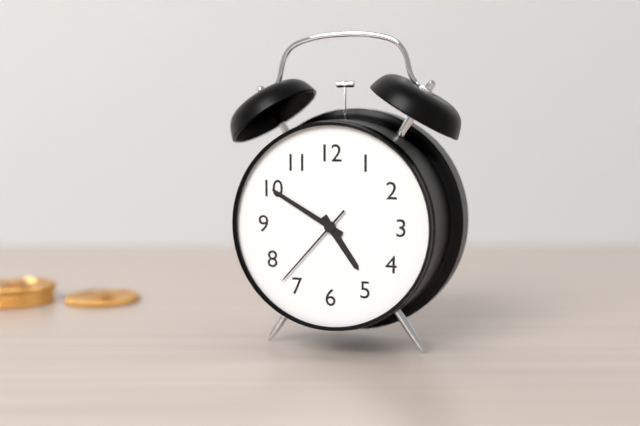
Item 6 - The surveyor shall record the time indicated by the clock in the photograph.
4:50:37
